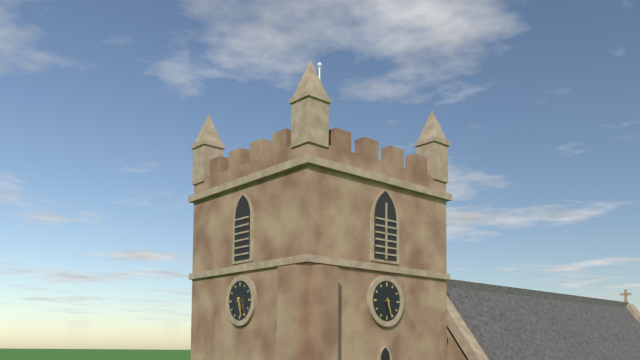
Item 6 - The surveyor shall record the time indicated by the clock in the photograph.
5:27
